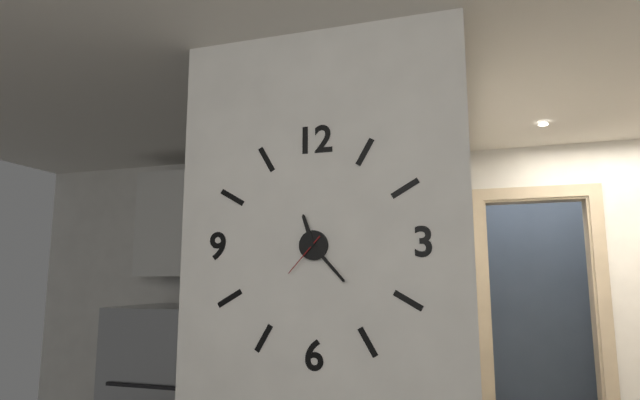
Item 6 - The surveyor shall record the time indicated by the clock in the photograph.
11:23
